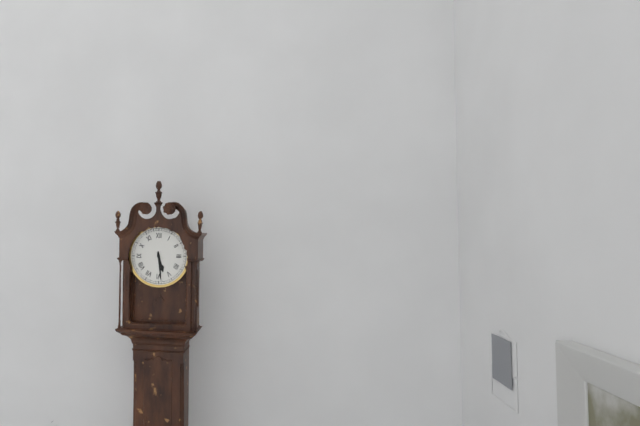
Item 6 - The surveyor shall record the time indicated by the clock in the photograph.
5:29
